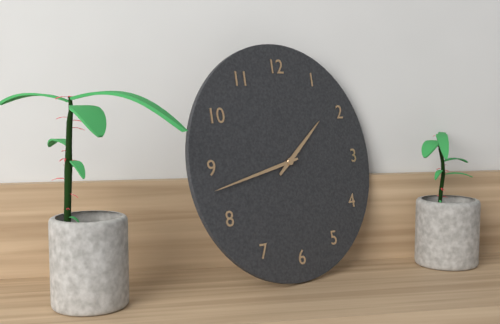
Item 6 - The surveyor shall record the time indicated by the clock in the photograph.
1:43
